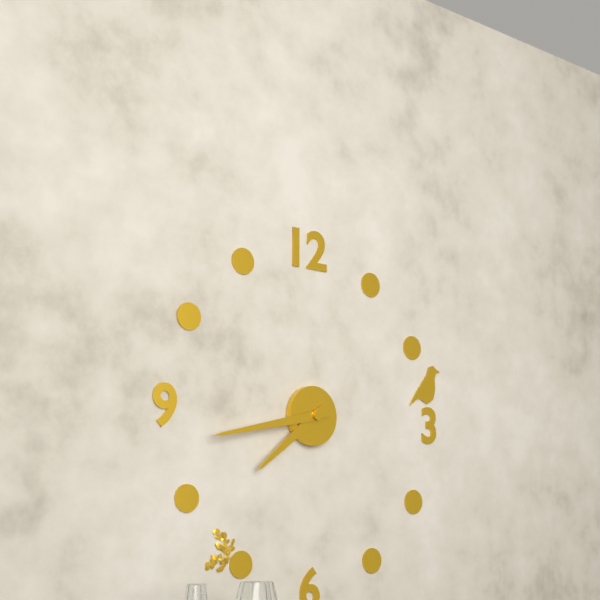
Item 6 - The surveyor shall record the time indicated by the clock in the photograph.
7:43
